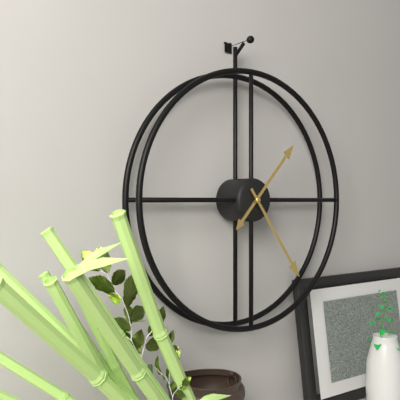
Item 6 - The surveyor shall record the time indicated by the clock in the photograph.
1:24
